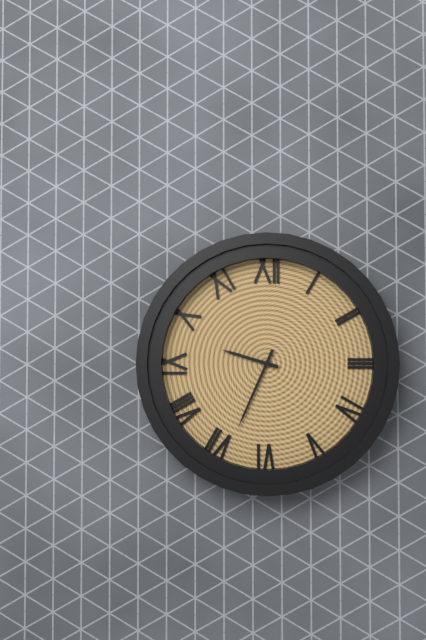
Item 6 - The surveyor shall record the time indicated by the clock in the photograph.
9:34
